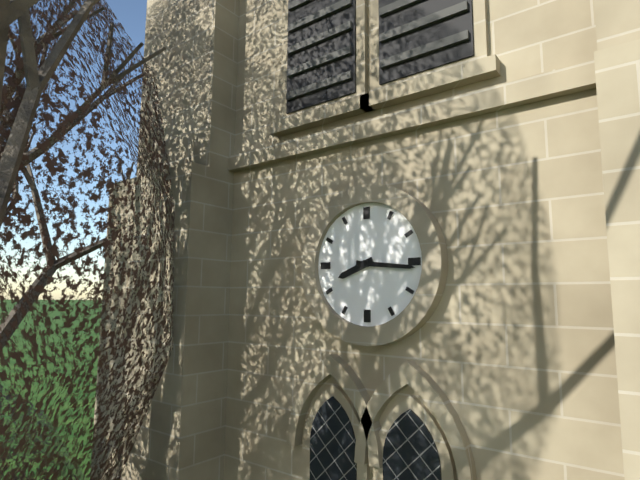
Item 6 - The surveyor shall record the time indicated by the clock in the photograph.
8:16
